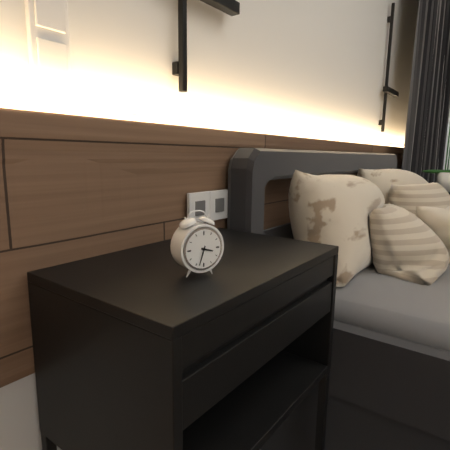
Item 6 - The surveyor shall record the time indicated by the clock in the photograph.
3:33
